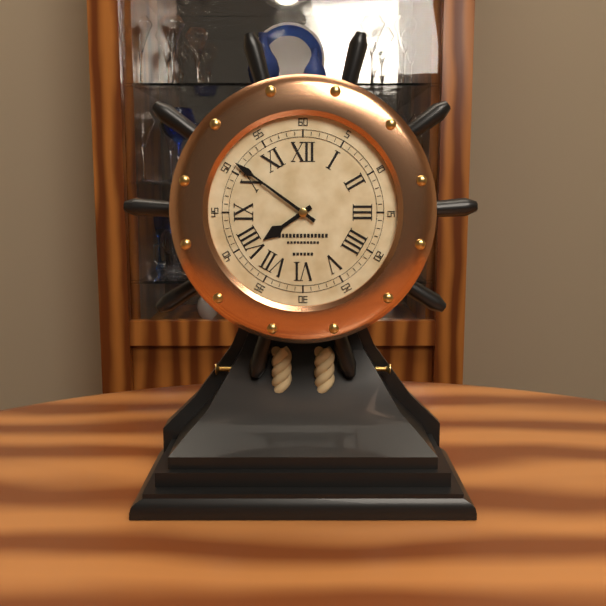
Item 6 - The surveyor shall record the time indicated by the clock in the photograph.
7:51
